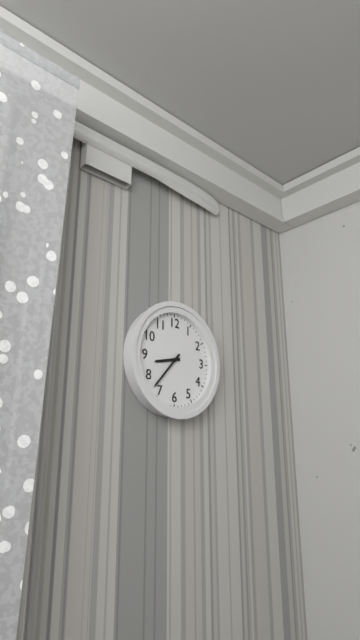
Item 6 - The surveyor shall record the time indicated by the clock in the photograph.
8:37
